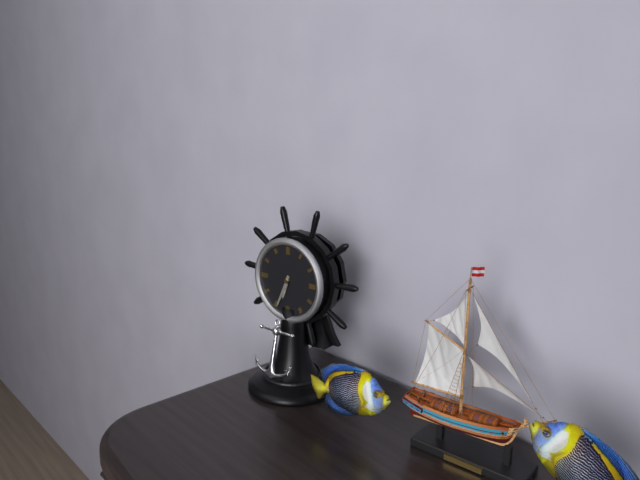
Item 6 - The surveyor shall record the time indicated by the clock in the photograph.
6:34
